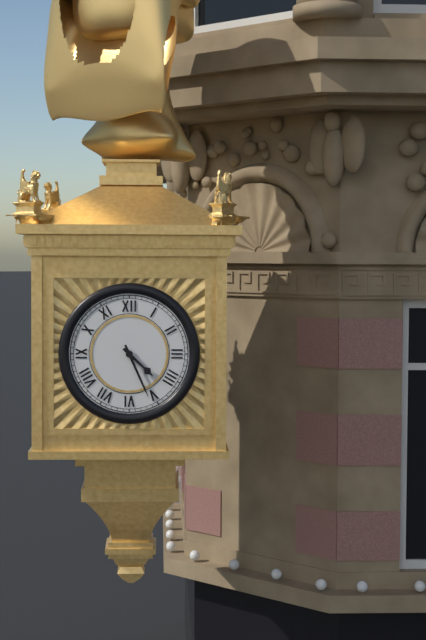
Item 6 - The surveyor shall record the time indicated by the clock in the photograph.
4:26
